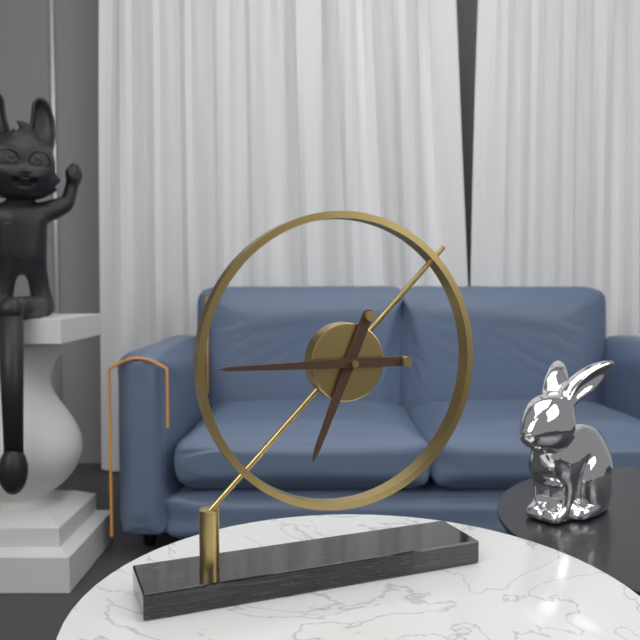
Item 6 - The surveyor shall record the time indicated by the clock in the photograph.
6:45
